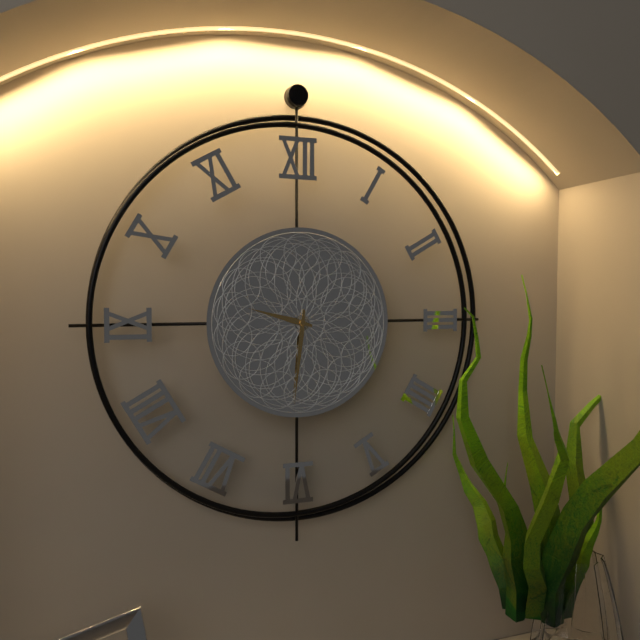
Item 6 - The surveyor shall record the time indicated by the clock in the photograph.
9:31
